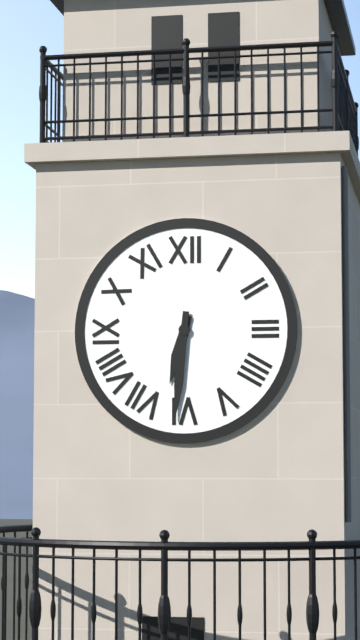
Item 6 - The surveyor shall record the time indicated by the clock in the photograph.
6:31
